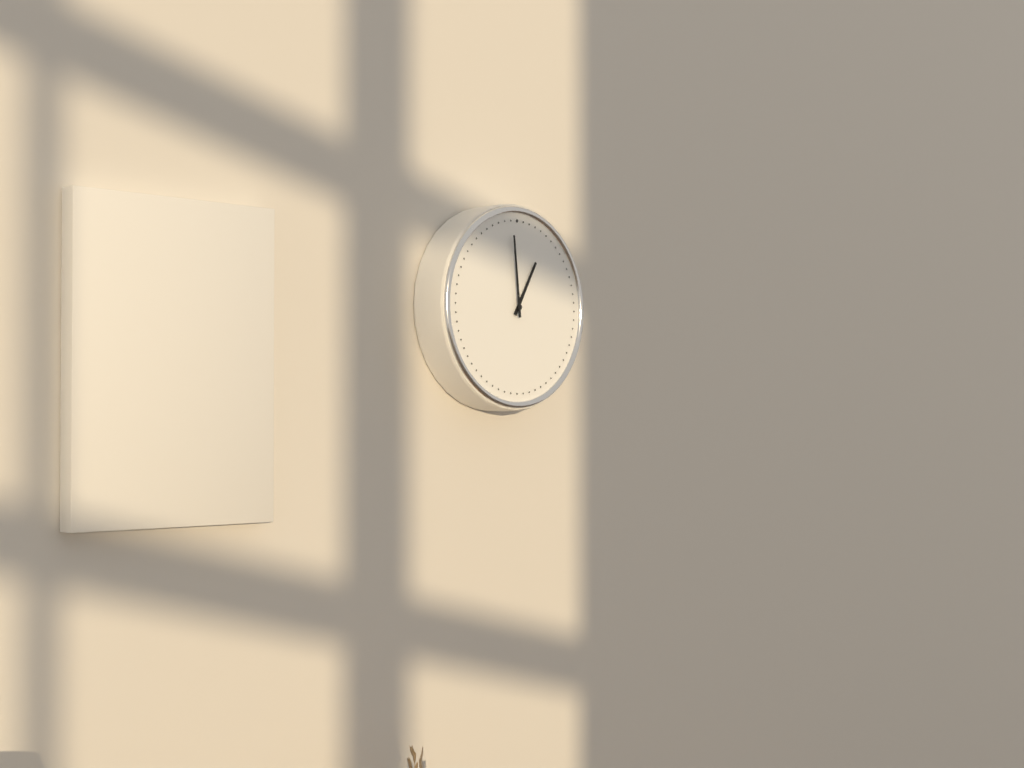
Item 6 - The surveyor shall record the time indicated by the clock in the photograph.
12:59
